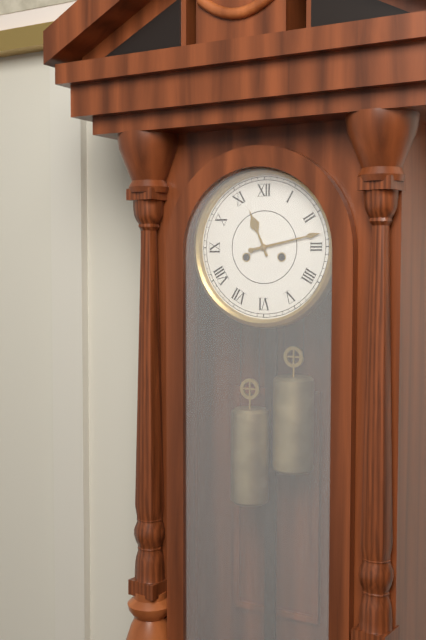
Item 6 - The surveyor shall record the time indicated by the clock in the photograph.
11:13
